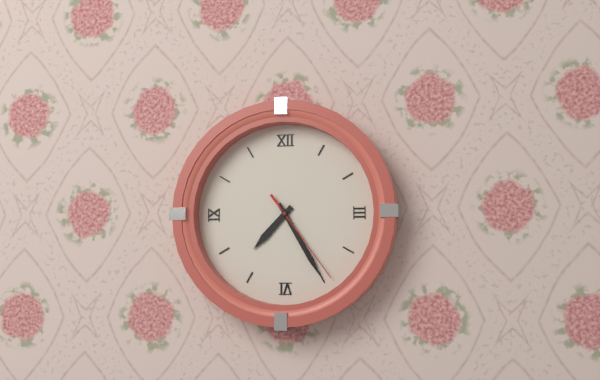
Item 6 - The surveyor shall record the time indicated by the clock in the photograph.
7:25:24
